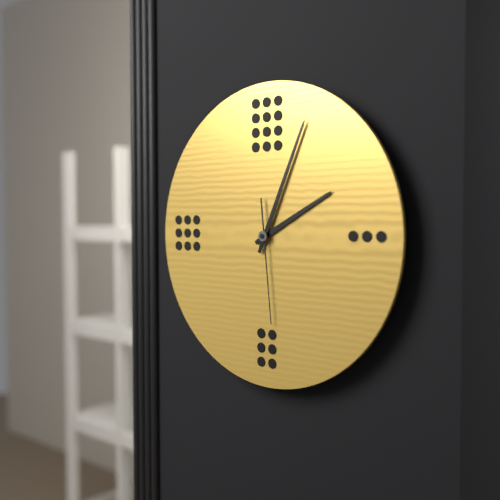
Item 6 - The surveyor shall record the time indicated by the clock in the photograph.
2:04:29
